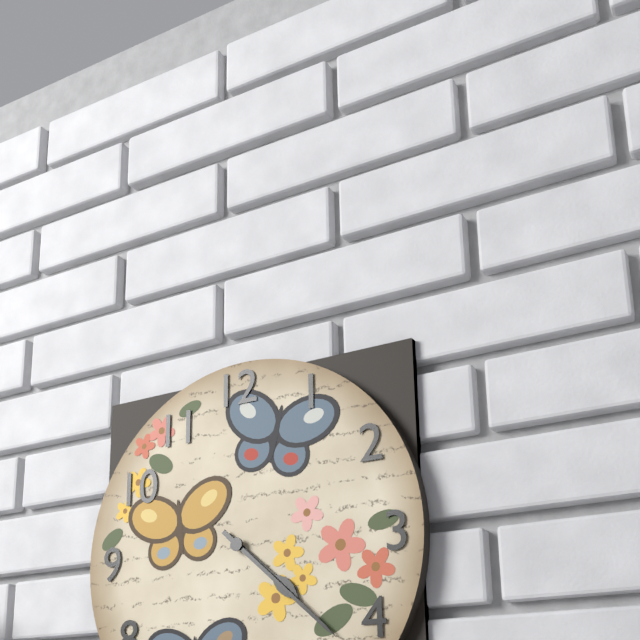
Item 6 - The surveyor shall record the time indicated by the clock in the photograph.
4:22
